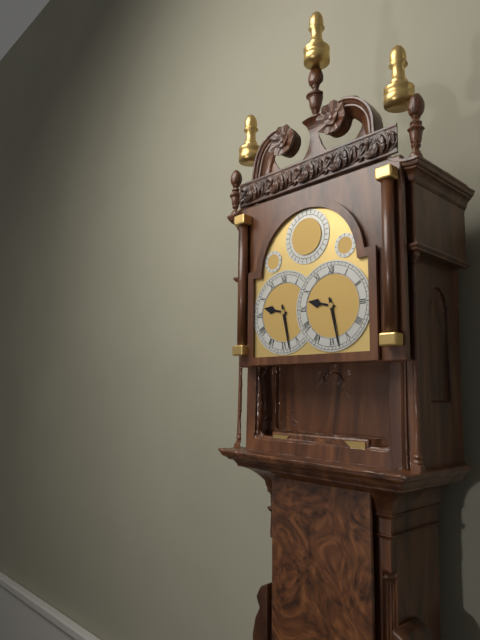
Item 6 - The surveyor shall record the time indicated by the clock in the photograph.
9:28
